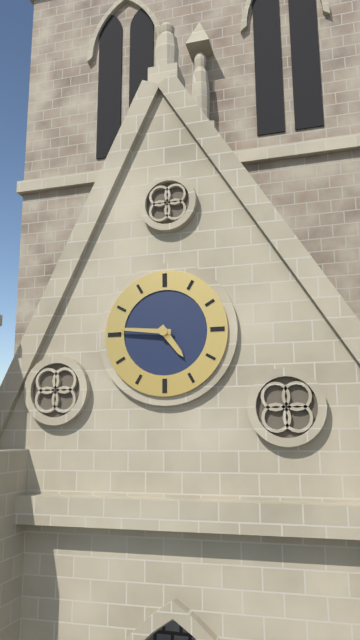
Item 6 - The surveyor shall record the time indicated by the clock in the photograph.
4:46
